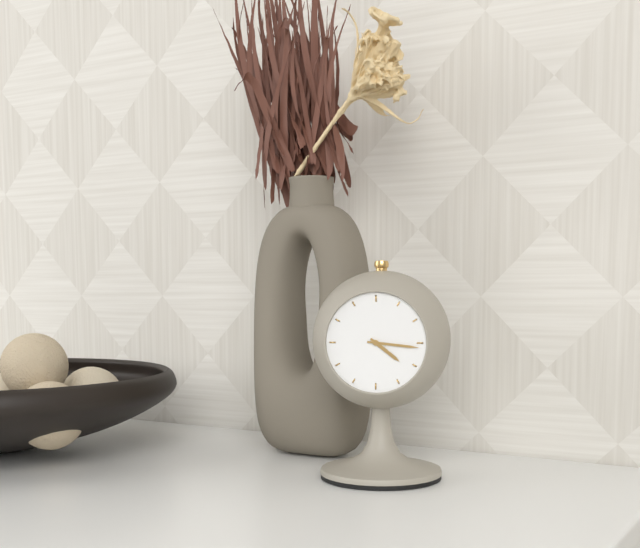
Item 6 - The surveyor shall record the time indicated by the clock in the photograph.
4:16
